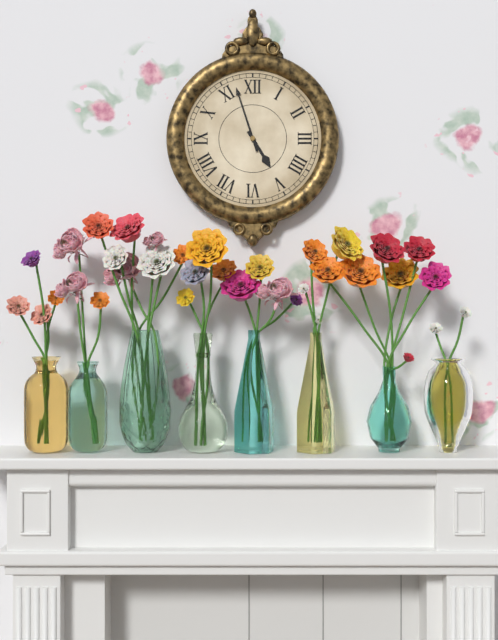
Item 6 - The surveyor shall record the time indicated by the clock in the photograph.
4:57
